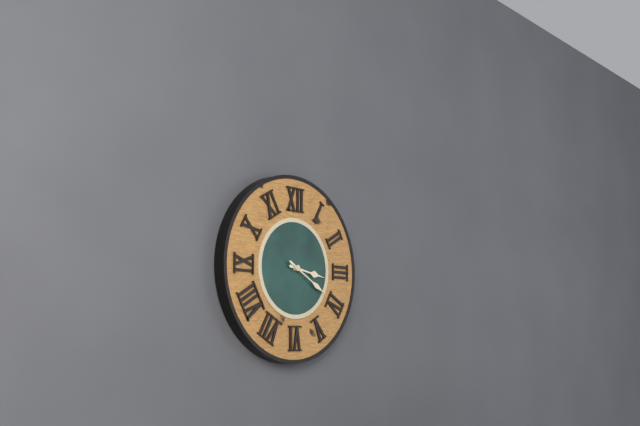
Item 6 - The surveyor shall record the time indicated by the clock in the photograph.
3:20
